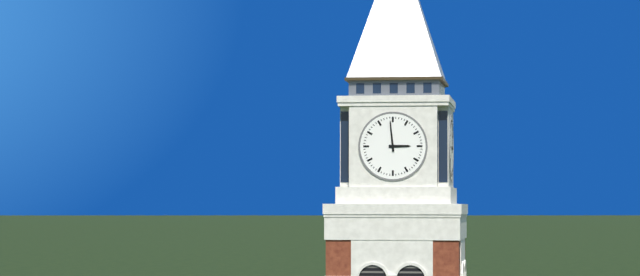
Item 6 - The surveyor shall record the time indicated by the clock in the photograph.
2:59
